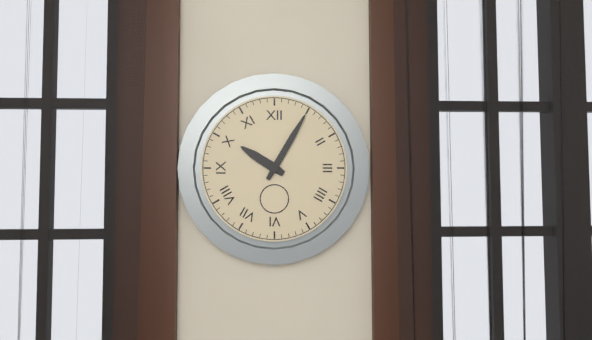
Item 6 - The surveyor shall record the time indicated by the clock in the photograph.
10:05
